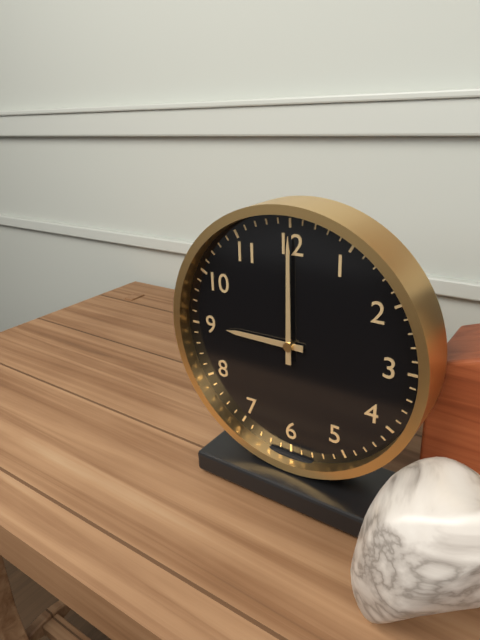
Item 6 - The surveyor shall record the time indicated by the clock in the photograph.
9:00
